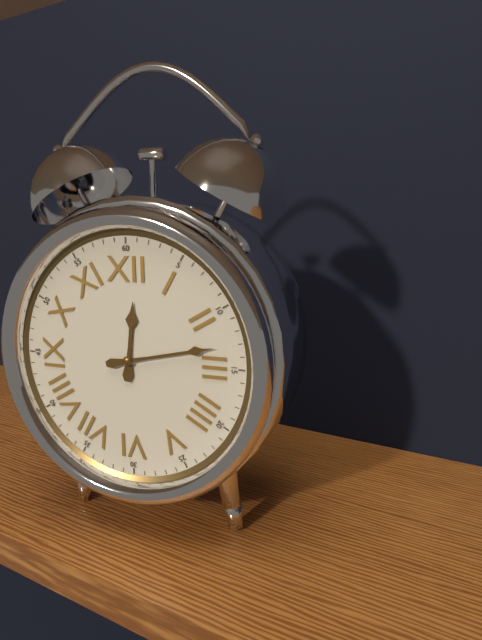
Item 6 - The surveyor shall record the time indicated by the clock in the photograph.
12:13
